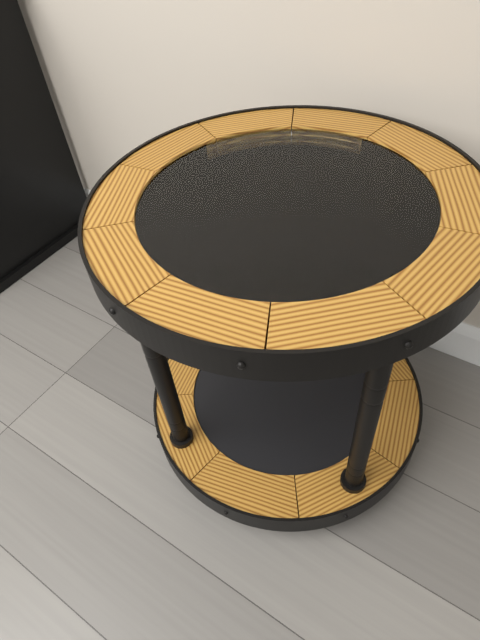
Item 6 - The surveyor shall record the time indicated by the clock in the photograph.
5:27
